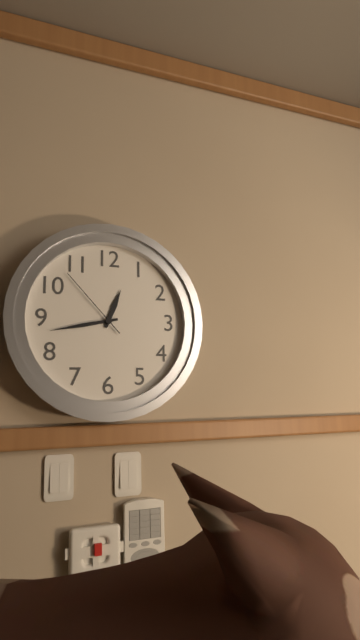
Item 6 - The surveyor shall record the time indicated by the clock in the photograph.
12:43:53
